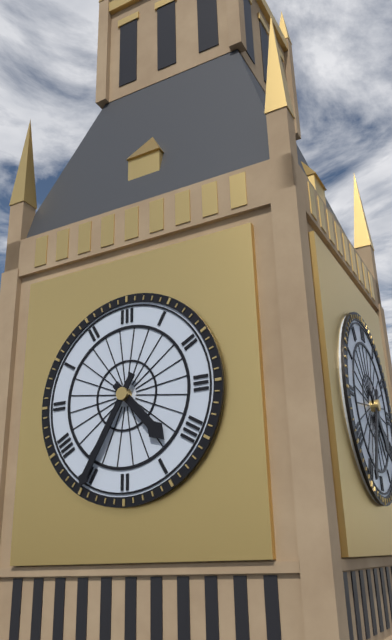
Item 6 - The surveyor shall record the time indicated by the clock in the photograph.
4:35
